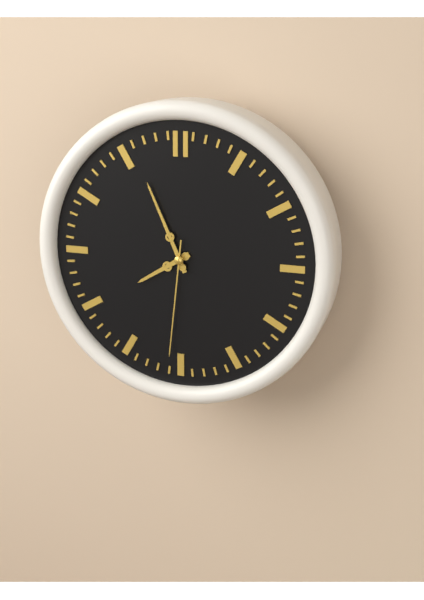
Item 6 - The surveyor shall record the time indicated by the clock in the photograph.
7:56:31
